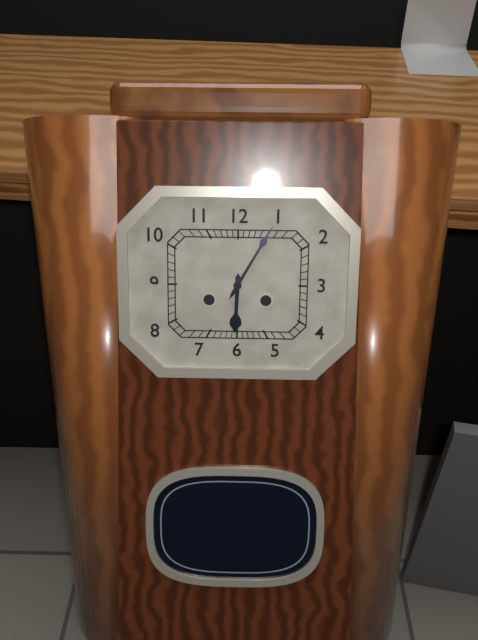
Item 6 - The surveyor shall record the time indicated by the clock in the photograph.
6:05
